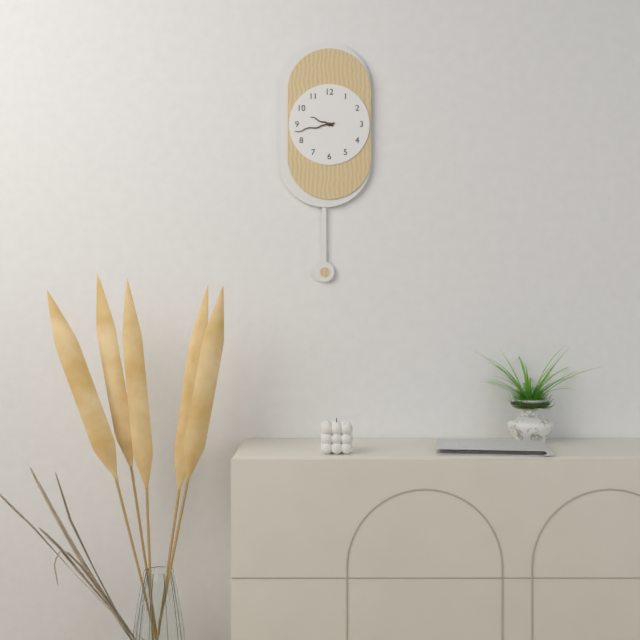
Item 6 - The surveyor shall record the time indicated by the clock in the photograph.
9:43
